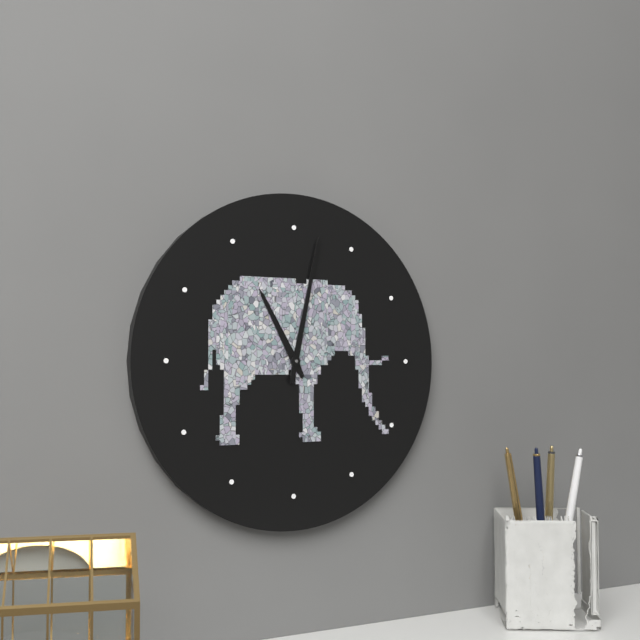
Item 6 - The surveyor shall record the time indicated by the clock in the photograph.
11:02
